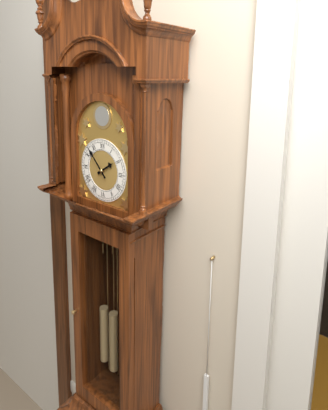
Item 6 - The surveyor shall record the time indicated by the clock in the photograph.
1:53
